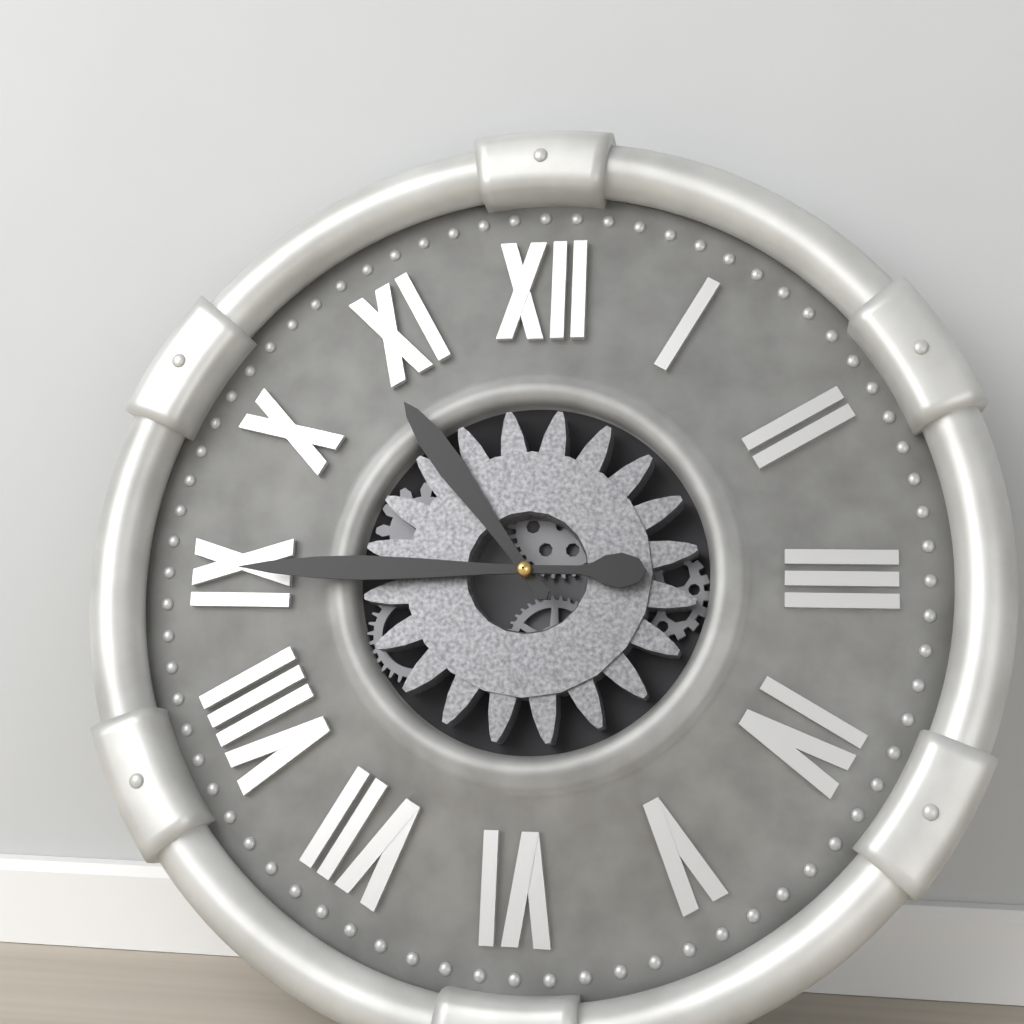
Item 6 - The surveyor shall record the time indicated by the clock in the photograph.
10:45
